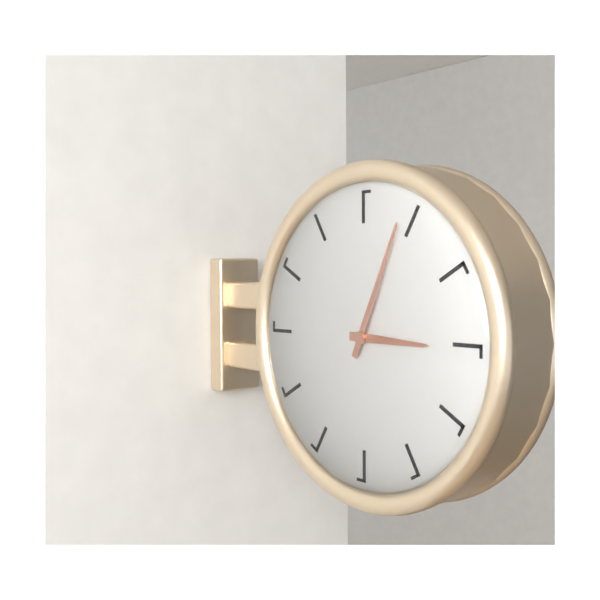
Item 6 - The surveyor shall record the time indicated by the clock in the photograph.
3:04
